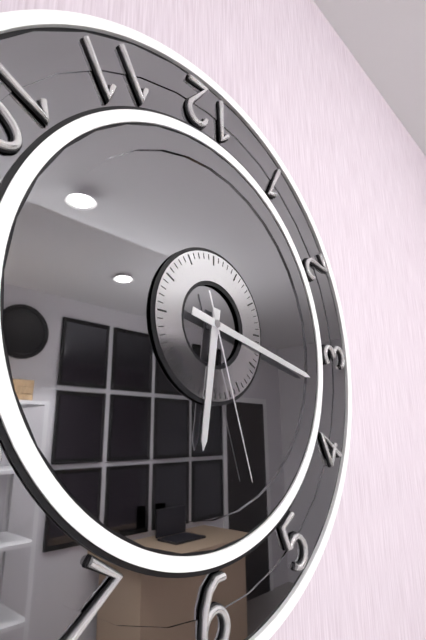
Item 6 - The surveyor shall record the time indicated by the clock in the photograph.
6:17:27
